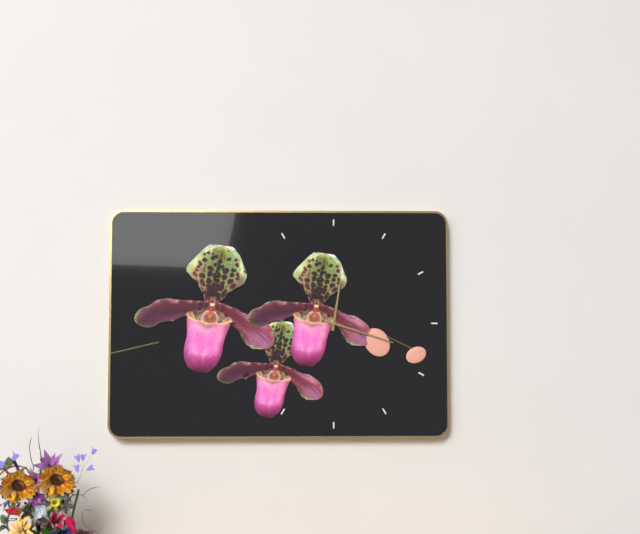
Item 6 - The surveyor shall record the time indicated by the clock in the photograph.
12:18
